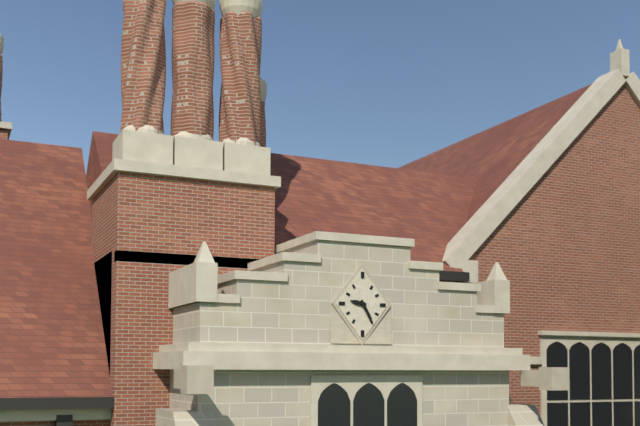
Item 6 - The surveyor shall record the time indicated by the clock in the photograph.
9:25
